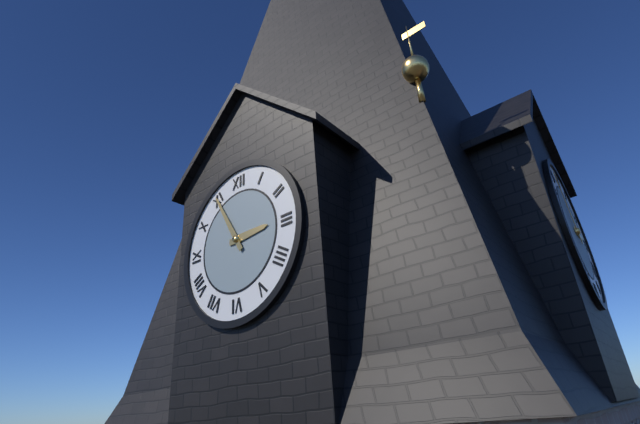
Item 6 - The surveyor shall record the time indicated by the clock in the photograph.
2:55
